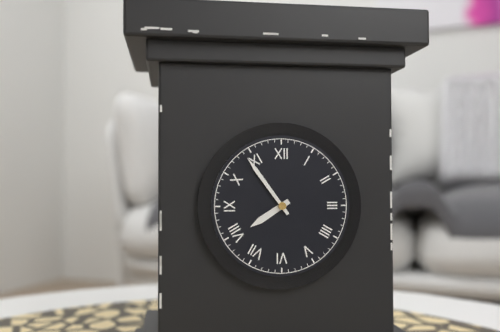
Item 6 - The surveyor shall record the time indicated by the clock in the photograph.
7:54
